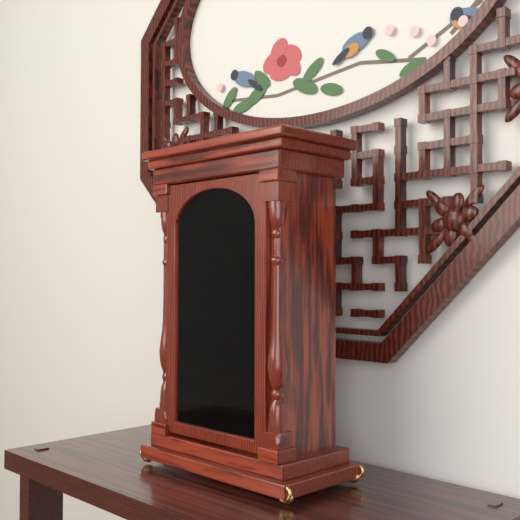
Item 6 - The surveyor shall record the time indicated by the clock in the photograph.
6:36
